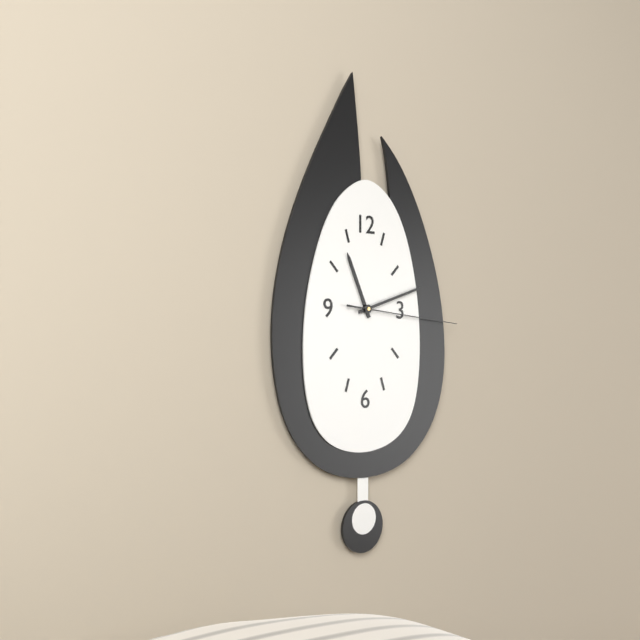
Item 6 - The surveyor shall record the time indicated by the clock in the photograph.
11:12:16
